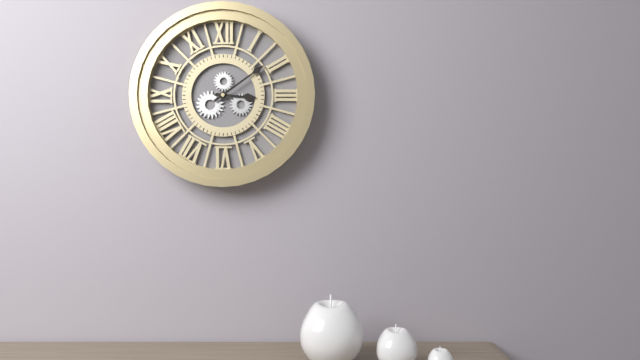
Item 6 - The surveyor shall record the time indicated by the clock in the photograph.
3:09
